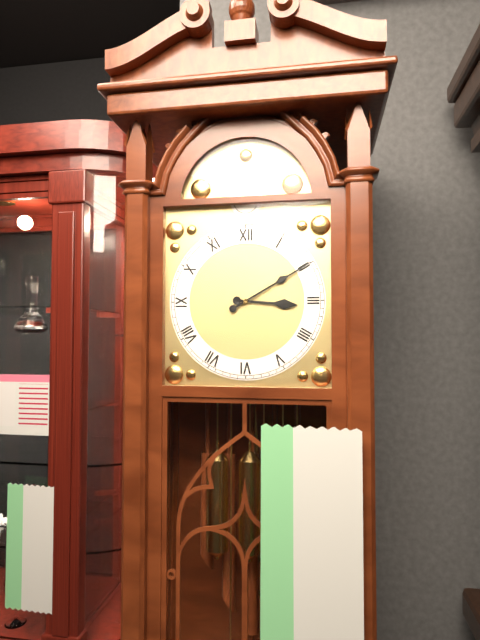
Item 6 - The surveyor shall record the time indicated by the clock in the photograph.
3:10
